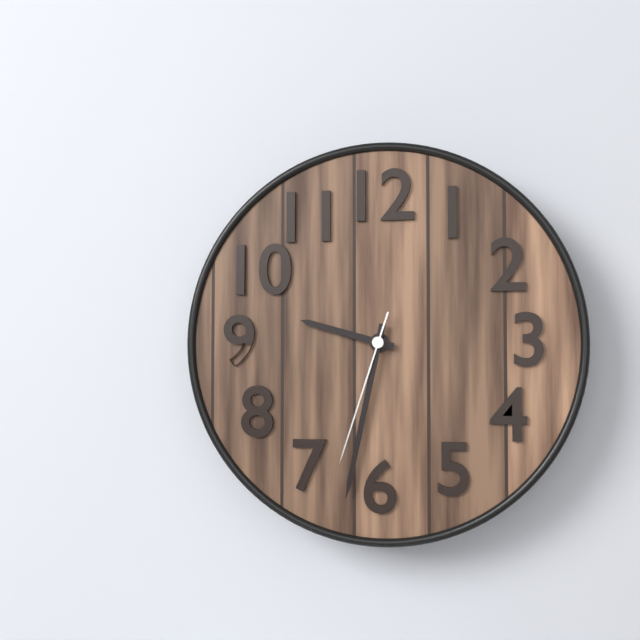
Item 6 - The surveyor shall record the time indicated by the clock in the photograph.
9:32:33
